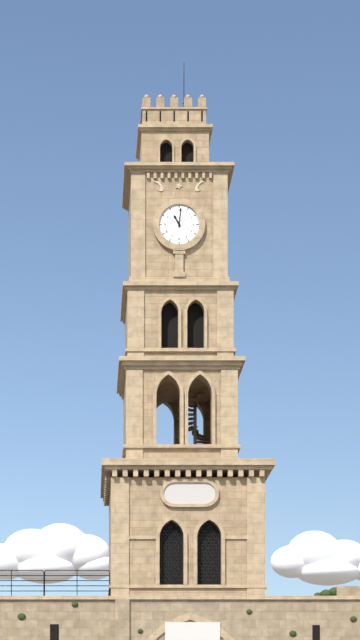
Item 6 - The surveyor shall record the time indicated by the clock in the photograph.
11:01
